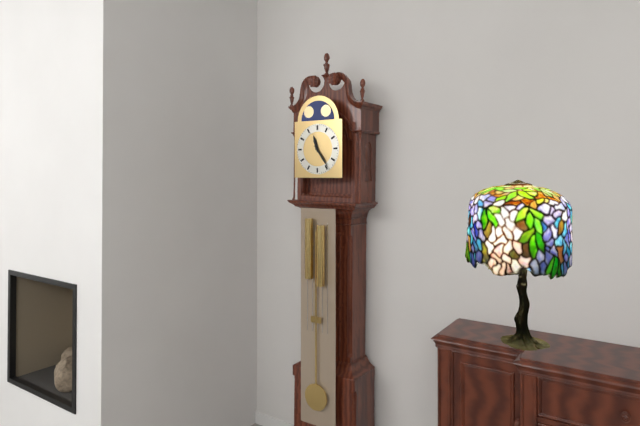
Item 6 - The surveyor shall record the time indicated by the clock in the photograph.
11:24
